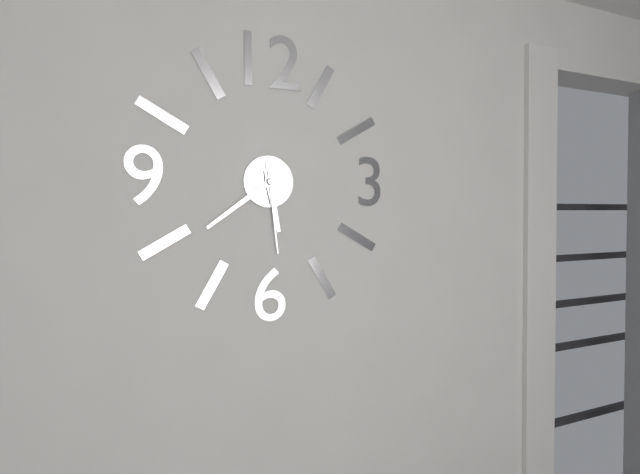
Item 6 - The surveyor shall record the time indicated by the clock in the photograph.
5:39:29
